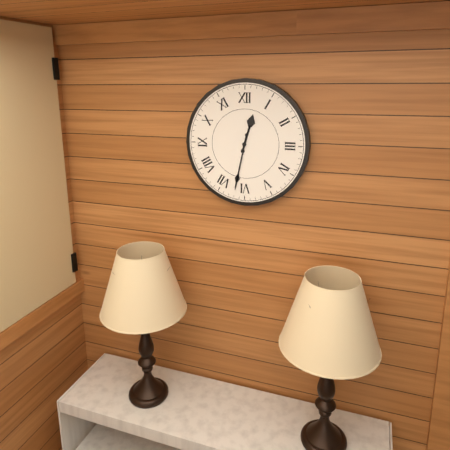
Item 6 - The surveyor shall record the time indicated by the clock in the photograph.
12:32
